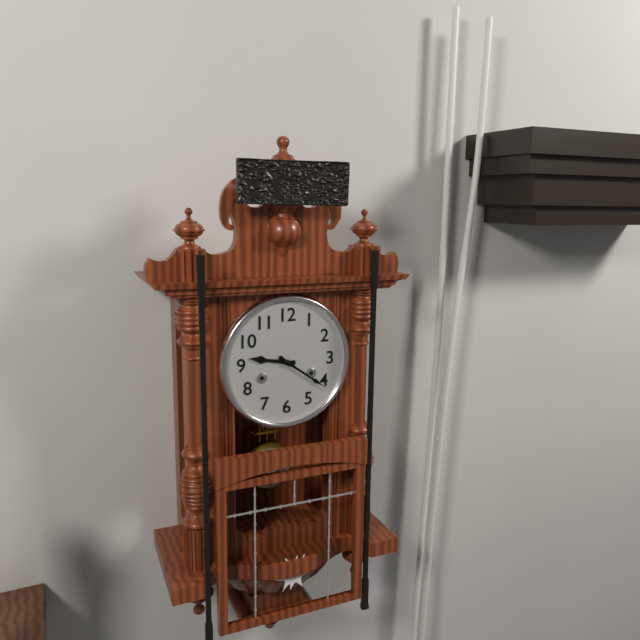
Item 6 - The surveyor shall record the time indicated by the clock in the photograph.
9:21
